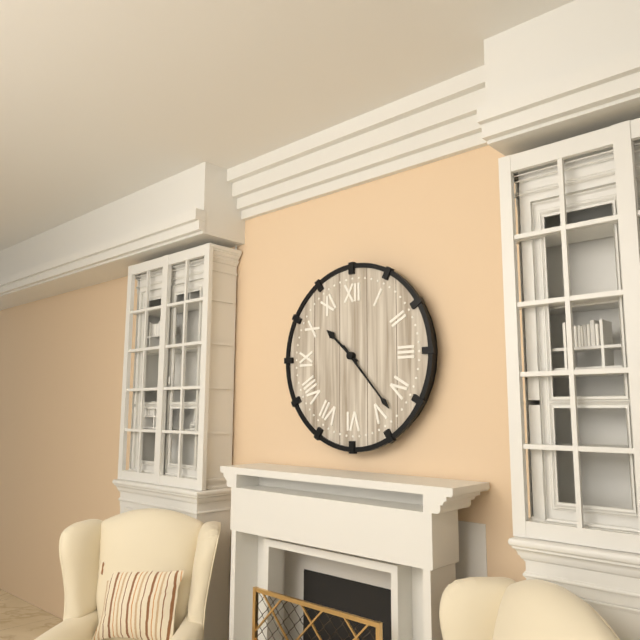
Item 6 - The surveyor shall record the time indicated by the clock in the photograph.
10:23
